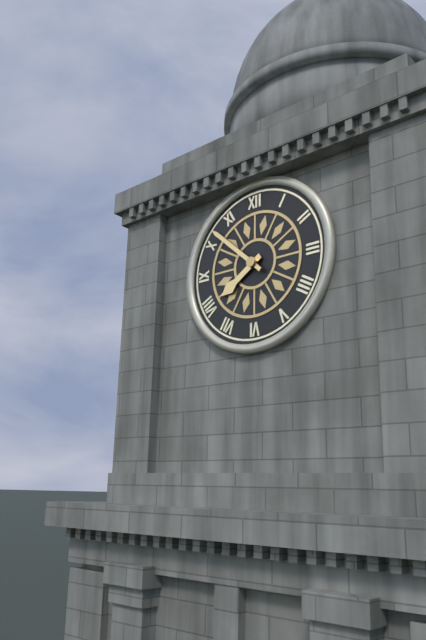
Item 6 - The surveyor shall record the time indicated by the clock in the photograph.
7:52
